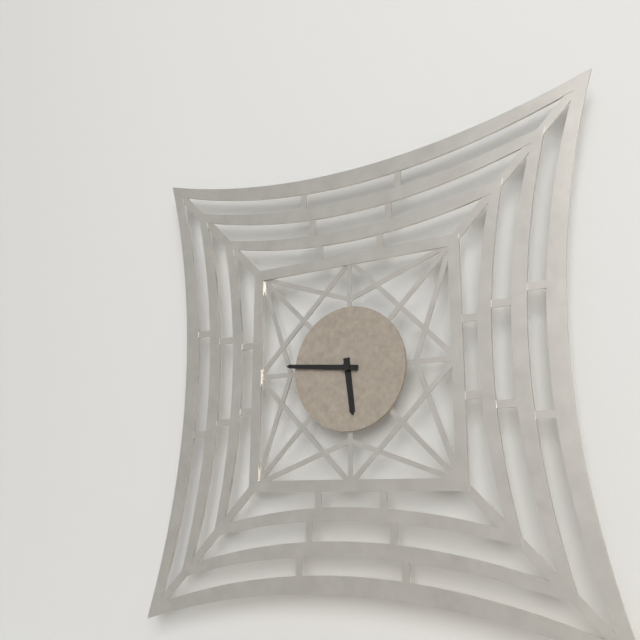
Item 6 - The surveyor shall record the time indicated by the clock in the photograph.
5:46
